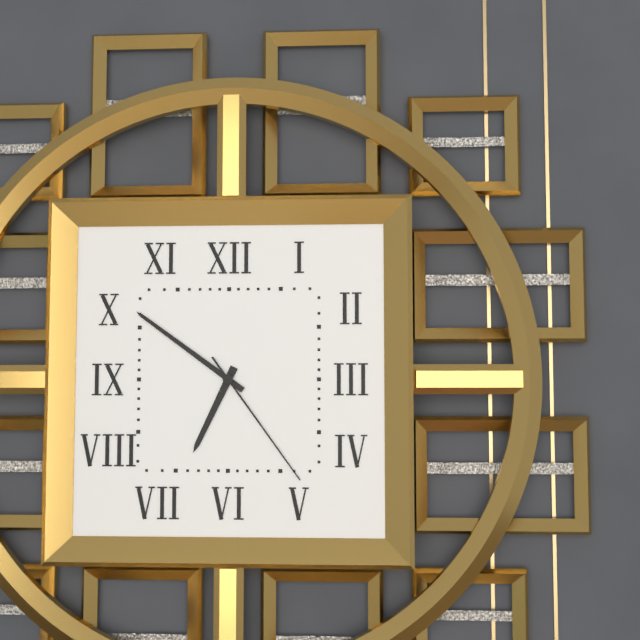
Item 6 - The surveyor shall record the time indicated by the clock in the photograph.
6:51:24
